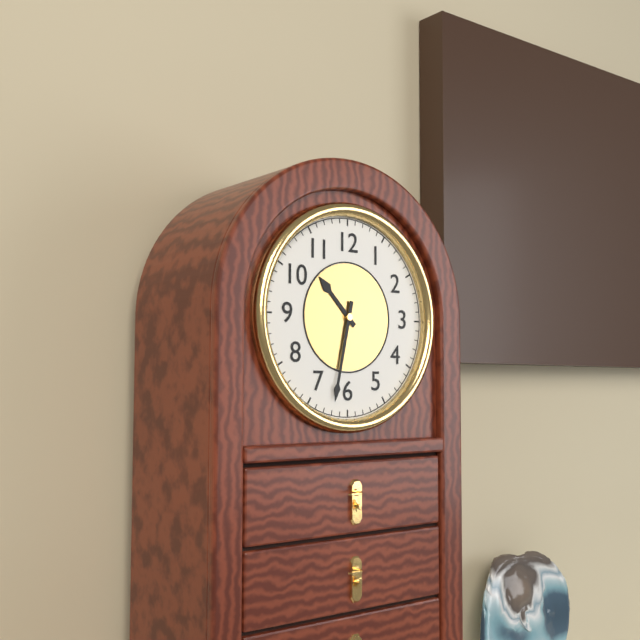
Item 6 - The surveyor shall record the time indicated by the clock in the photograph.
10:32
